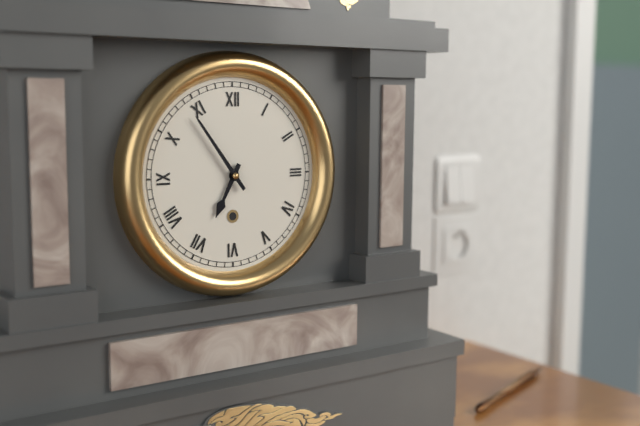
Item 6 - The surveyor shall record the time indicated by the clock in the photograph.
6:54
